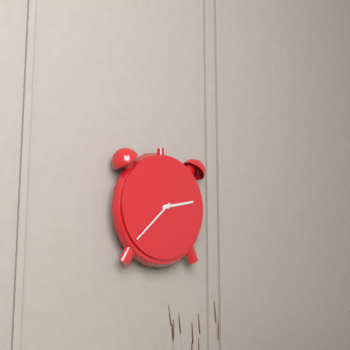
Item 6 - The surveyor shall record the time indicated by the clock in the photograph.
2:38
